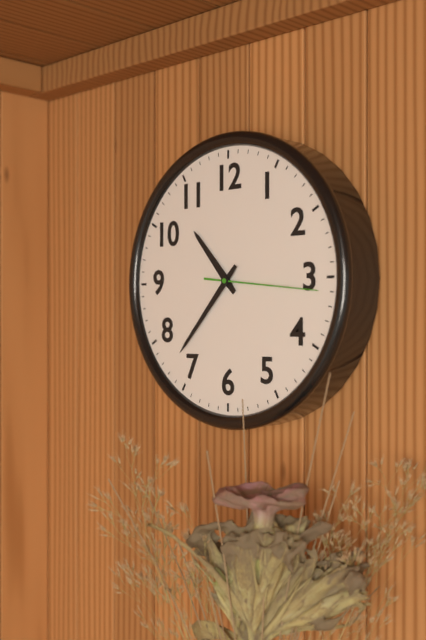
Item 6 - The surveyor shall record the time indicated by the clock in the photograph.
10:37:16
